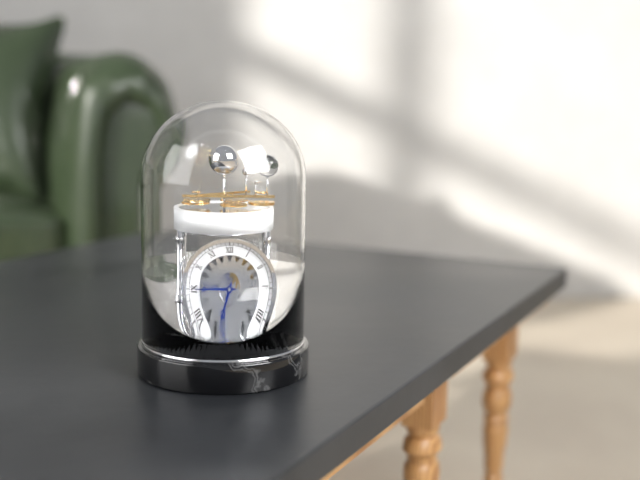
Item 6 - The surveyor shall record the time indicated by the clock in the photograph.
6:45
